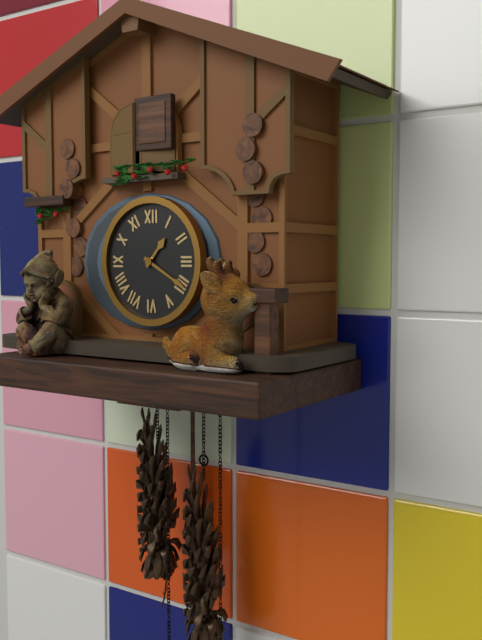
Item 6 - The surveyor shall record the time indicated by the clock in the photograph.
1:20
